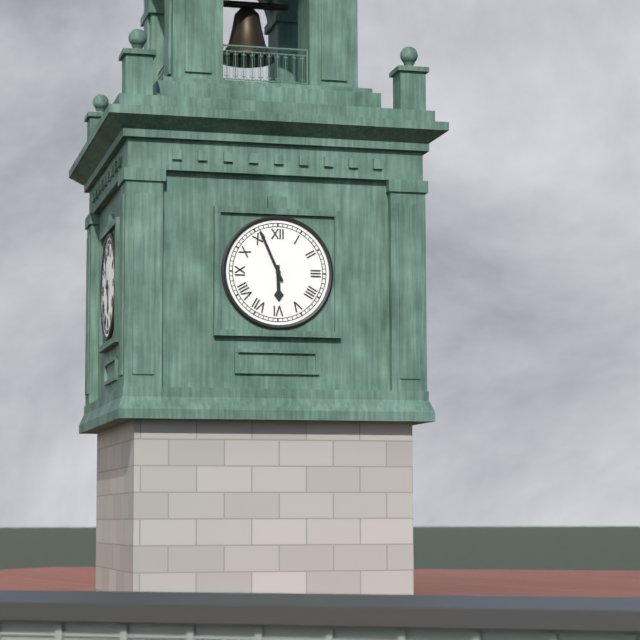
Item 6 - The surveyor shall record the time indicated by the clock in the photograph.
5:56
